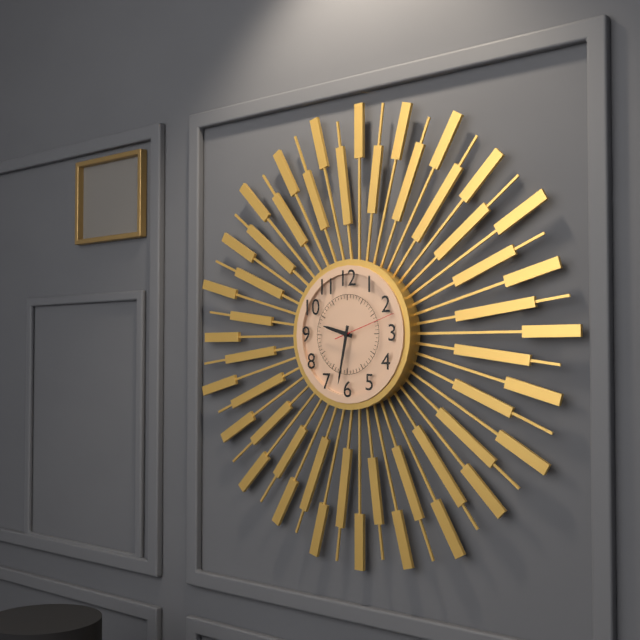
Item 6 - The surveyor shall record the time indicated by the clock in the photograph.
9:32:12
